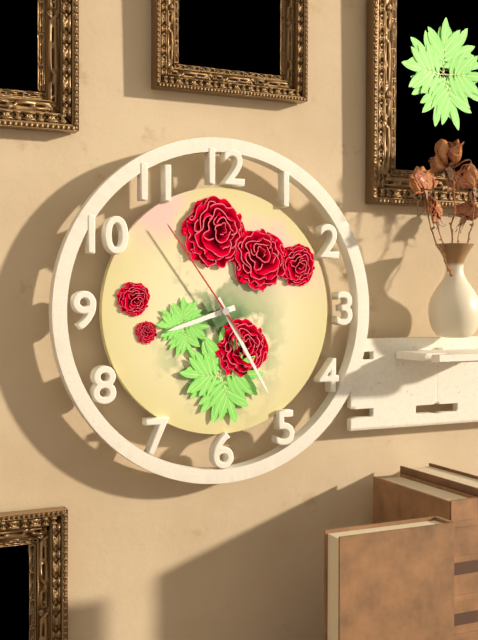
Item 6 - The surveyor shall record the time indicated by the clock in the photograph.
8:25:54
